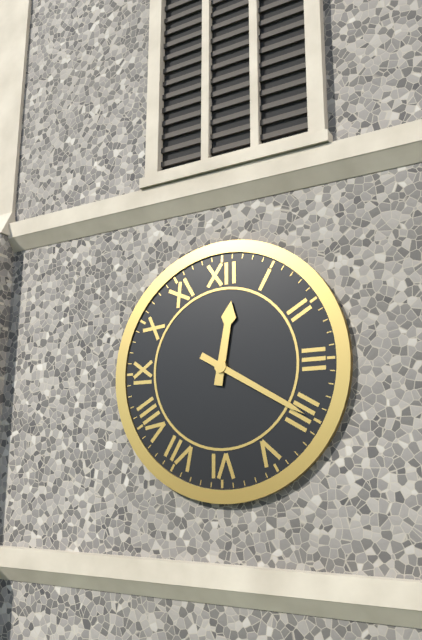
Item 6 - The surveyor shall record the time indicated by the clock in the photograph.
12:20
